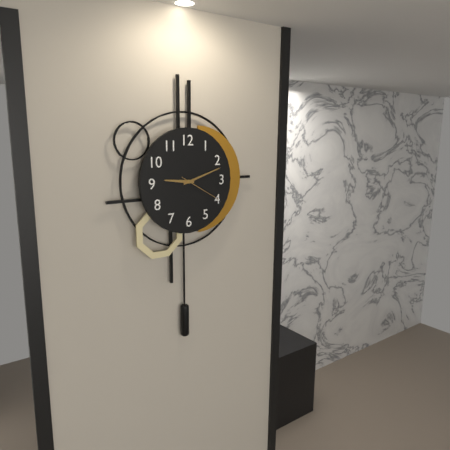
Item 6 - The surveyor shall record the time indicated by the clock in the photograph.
9:12
